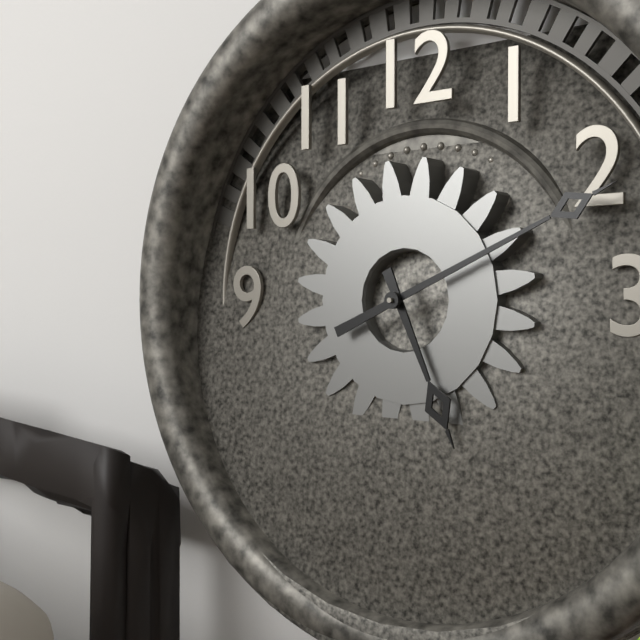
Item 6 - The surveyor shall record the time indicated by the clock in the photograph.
5:11
